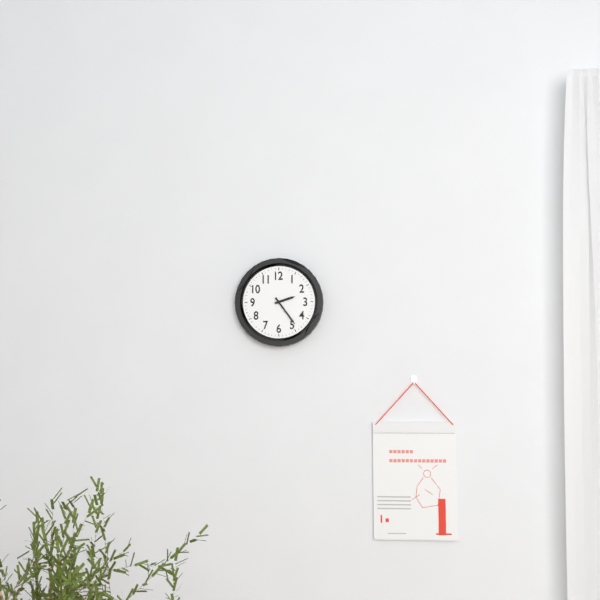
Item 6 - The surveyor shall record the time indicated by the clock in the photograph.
2:24
